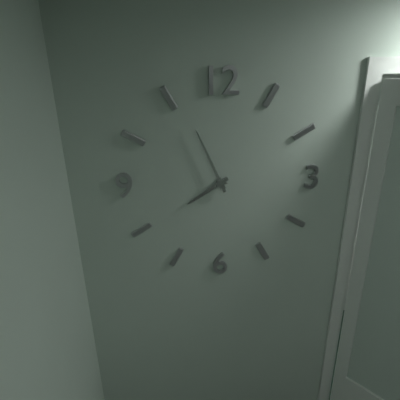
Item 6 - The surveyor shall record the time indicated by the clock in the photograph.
7:56
